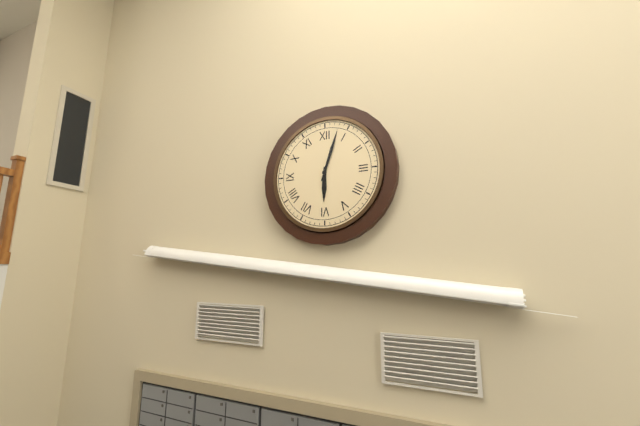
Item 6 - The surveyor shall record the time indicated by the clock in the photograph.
6:03
